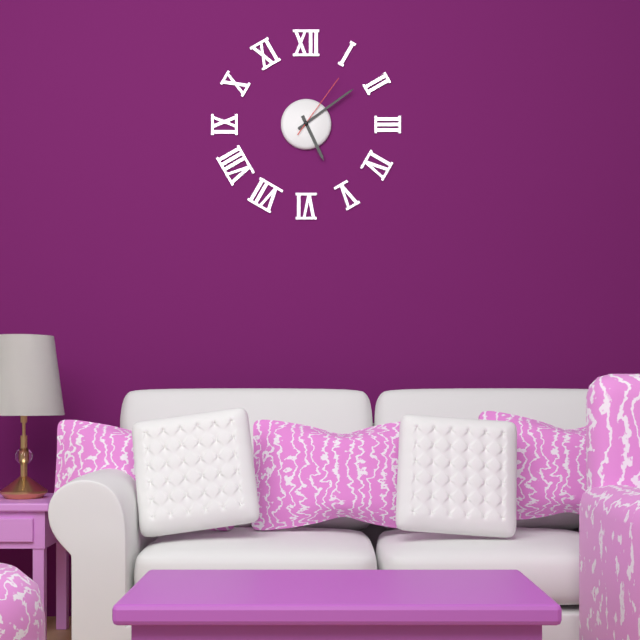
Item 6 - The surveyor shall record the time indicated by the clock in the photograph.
5:09:06
